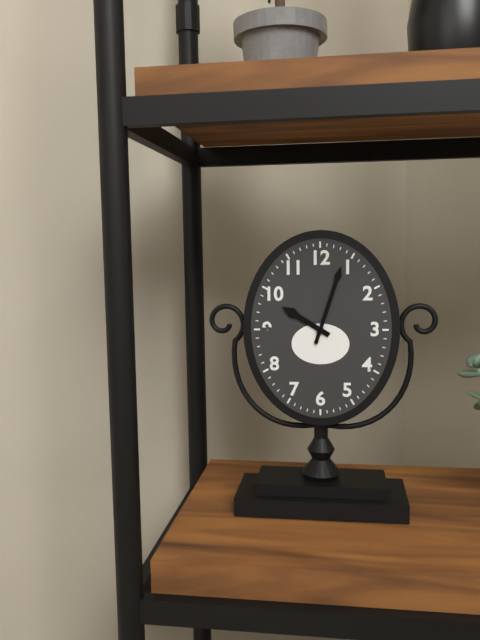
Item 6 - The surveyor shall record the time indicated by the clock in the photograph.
10:03
